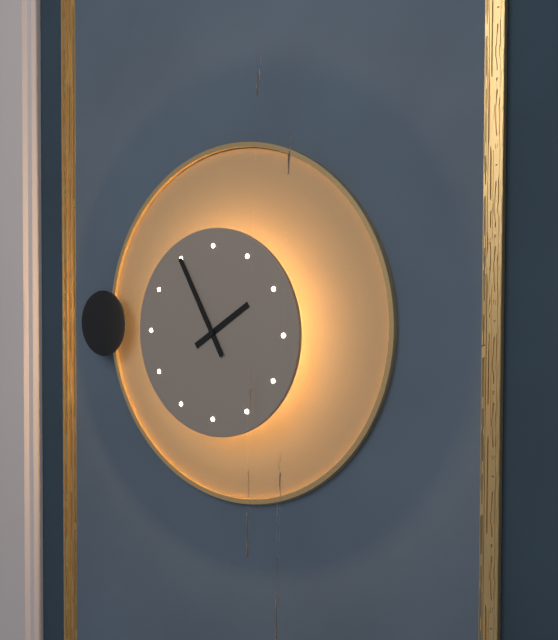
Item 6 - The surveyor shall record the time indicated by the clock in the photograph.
1:55
